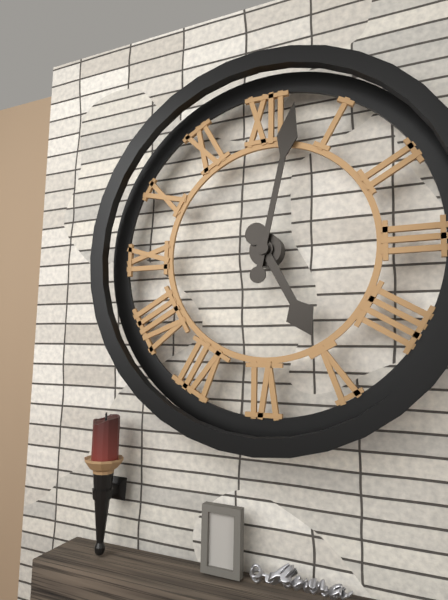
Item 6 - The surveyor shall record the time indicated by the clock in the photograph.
5:02
